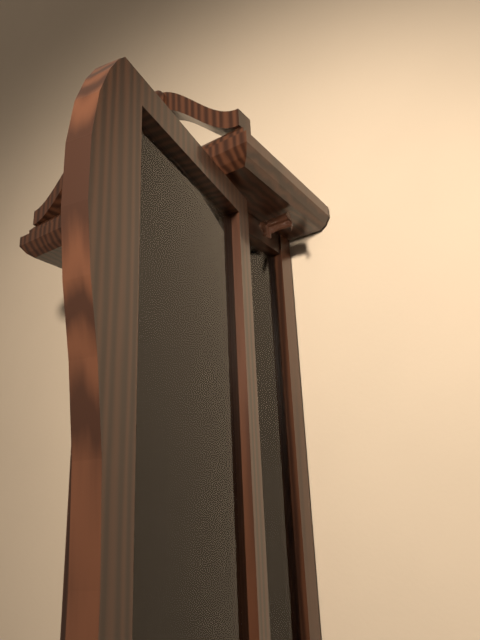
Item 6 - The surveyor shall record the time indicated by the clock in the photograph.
5:05
